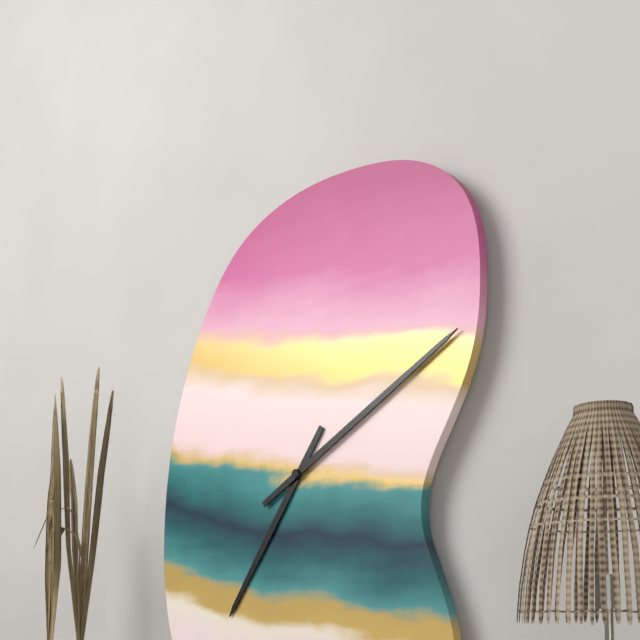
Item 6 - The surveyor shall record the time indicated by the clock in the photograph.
7:10
